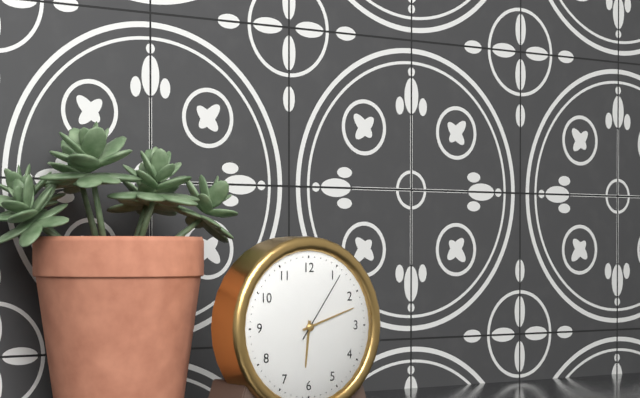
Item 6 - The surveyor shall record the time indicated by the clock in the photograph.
6:12:06
